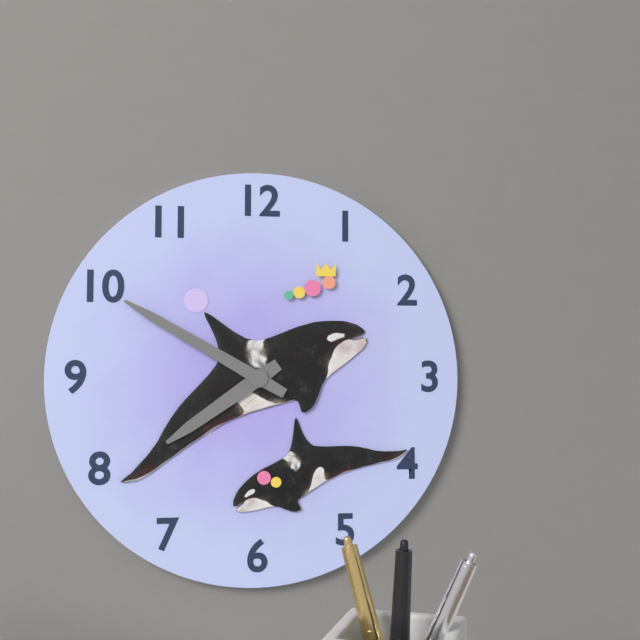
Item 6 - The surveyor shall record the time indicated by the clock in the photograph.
7:50
